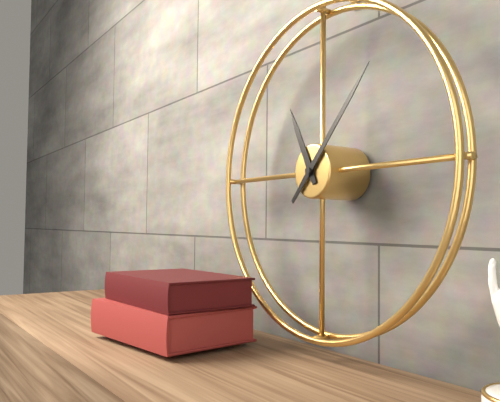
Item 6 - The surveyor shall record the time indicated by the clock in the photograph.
11:07
